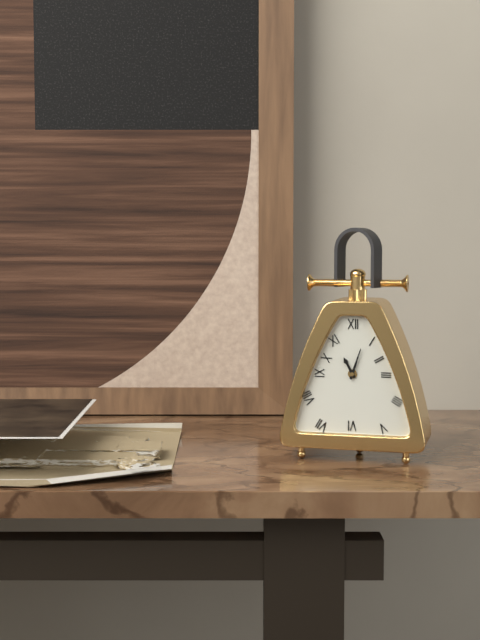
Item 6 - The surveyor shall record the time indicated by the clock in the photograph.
11:03
